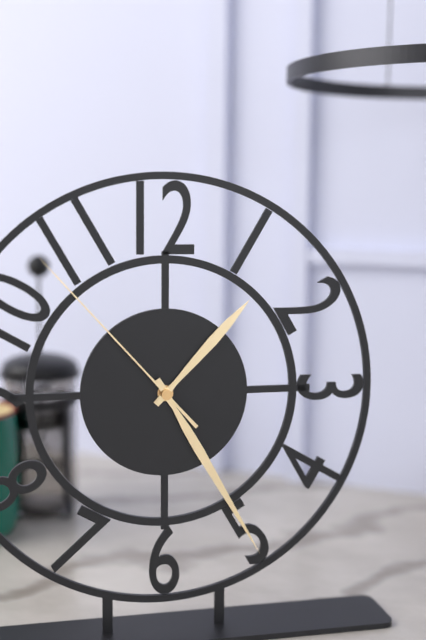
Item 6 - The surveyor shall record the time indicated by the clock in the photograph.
1:25:53
